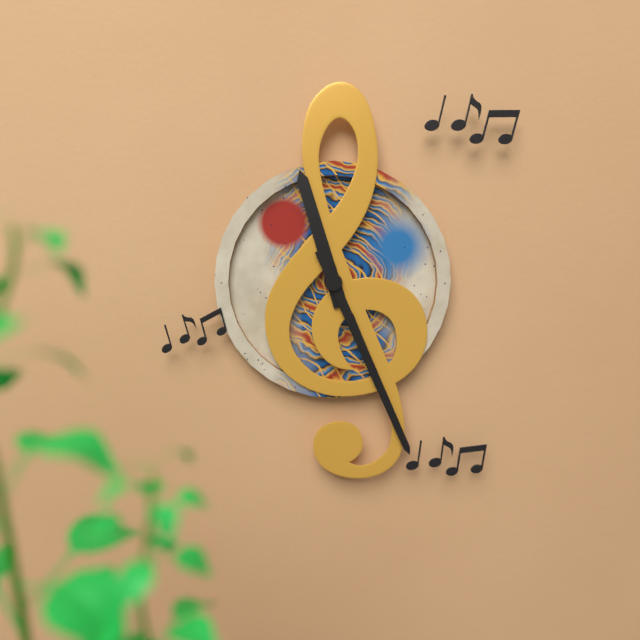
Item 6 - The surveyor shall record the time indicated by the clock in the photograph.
11:26
